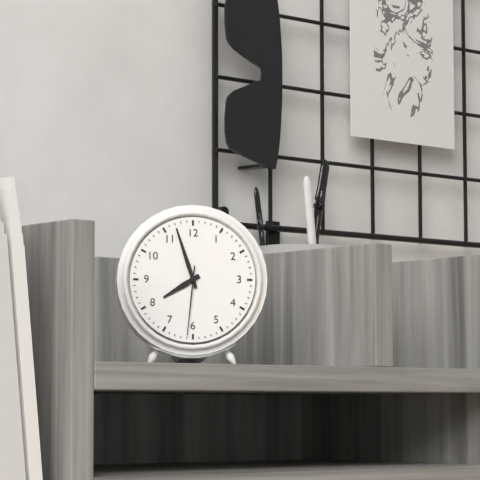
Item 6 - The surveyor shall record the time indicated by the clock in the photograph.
7:57:31
